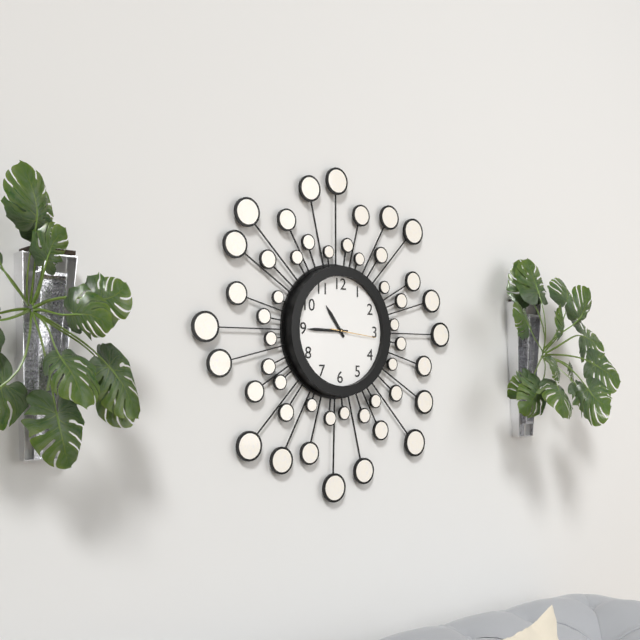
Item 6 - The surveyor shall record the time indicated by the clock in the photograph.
10:45
